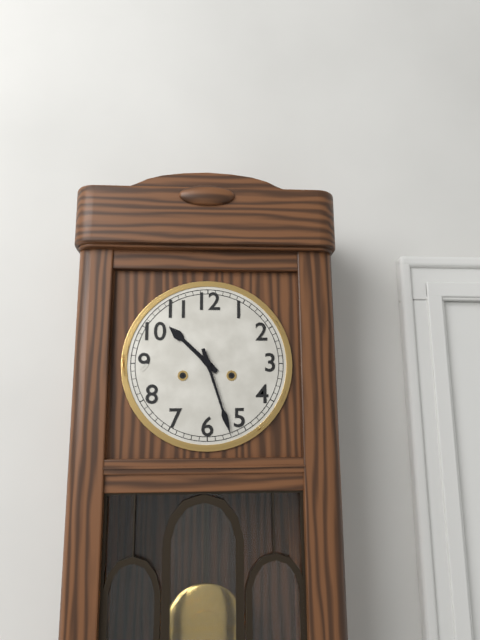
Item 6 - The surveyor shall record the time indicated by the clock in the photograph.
10:27
